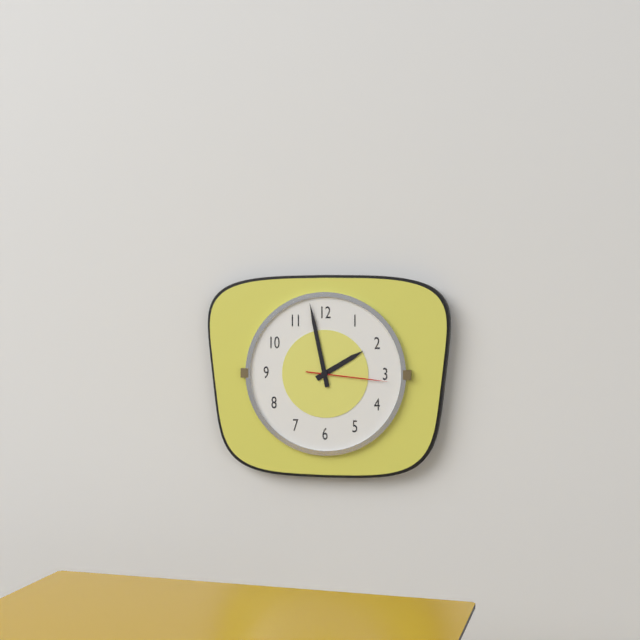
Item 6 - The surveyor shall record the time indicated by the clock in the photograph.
1:58:16
